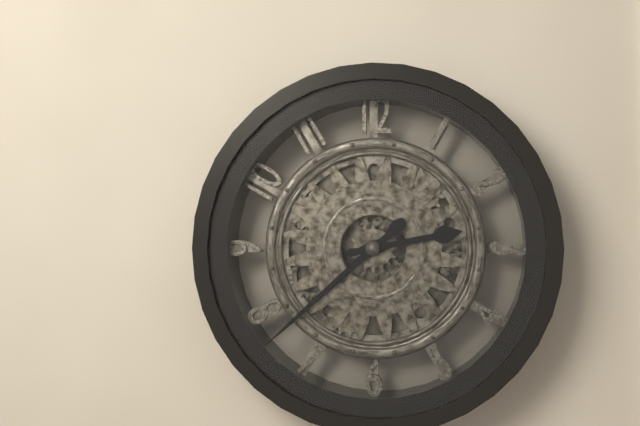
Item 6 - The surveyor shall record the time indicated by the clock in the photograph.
2:38
